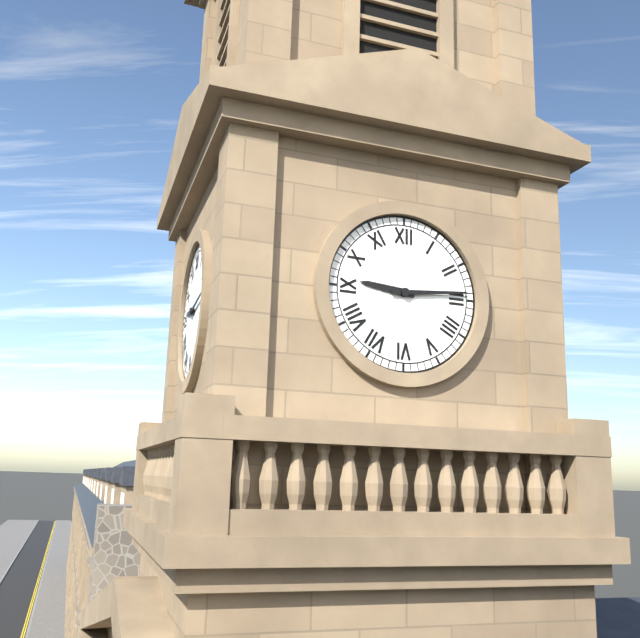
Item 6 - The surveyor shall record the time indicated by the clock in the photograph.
9:14
